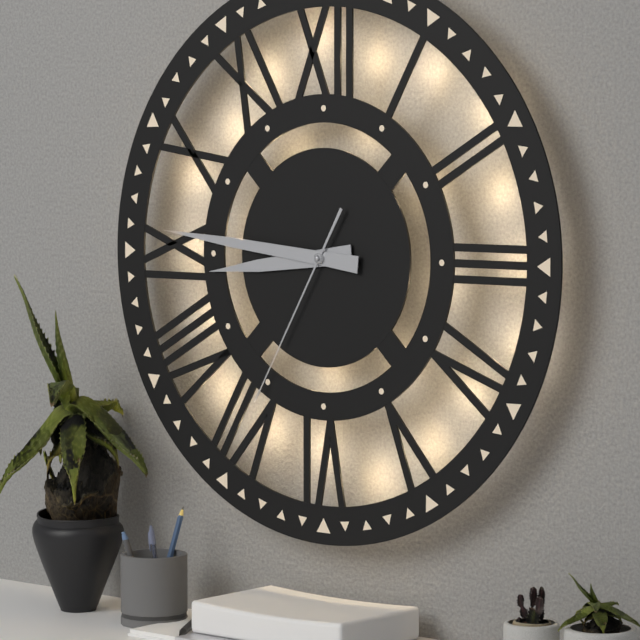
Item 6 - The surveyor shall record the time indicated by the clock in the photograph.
8:46:35
